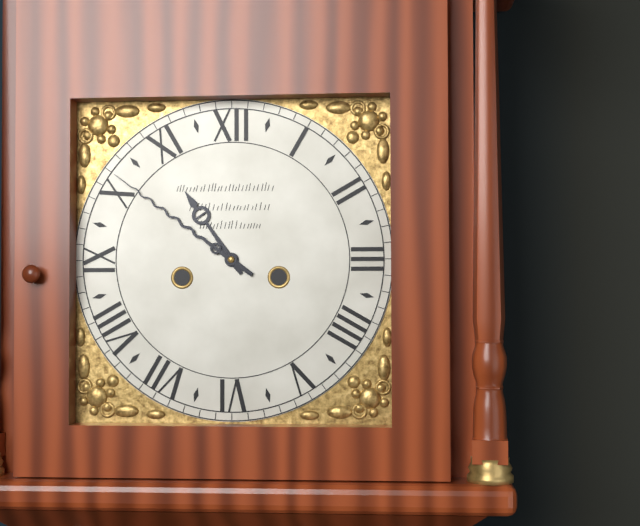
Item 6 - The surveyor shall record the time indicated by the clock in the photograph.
10:51
